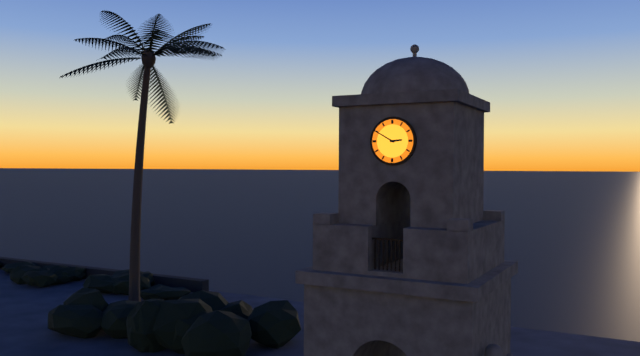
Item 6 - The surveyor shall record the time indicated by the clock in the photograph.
2:50
